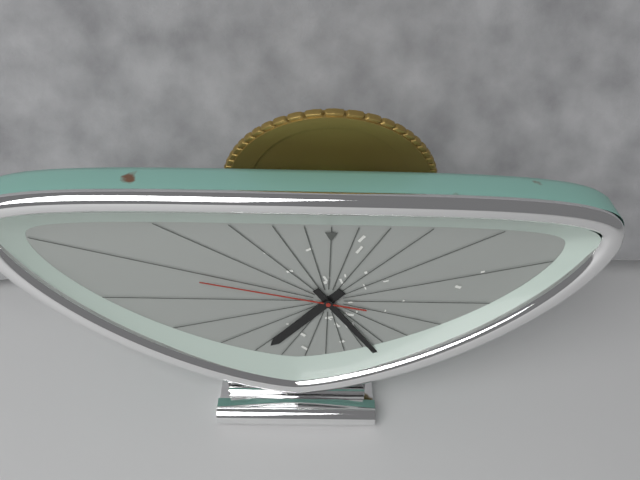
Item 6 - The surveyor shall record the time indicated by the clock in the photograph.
7:24:47
